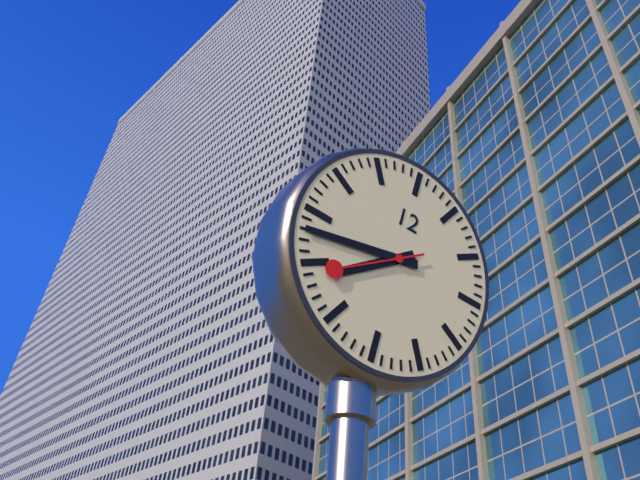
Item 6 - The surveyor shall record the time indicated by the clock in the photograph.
7:43:39
